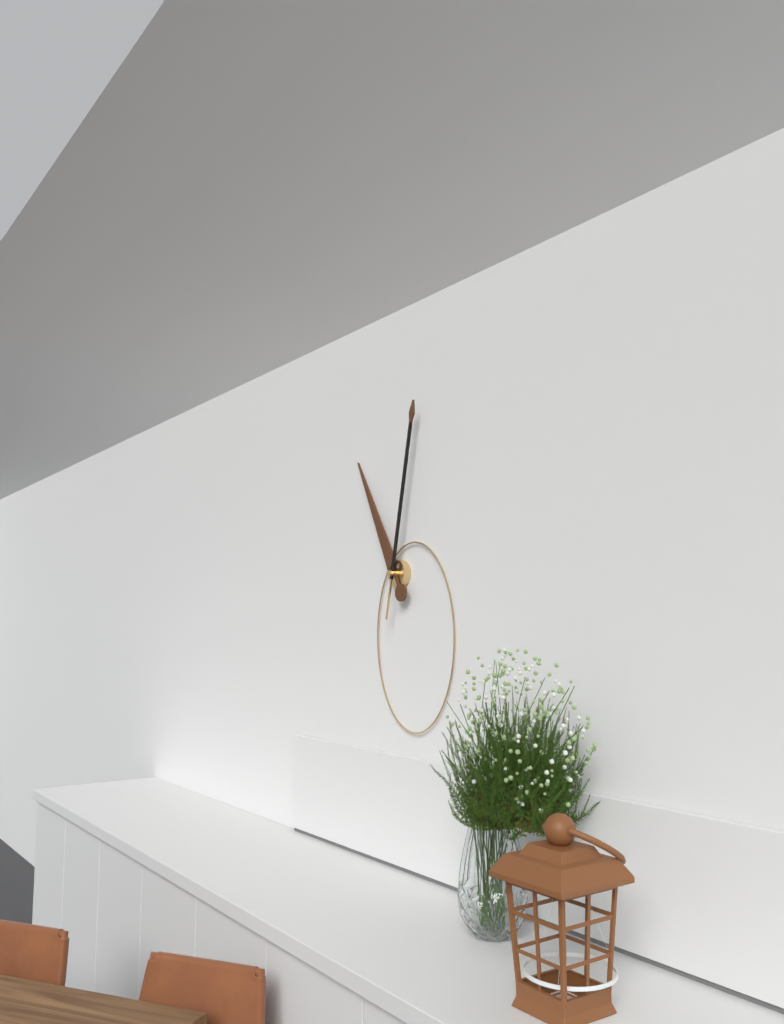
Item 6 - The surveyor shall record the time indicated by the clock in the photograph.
11:02
